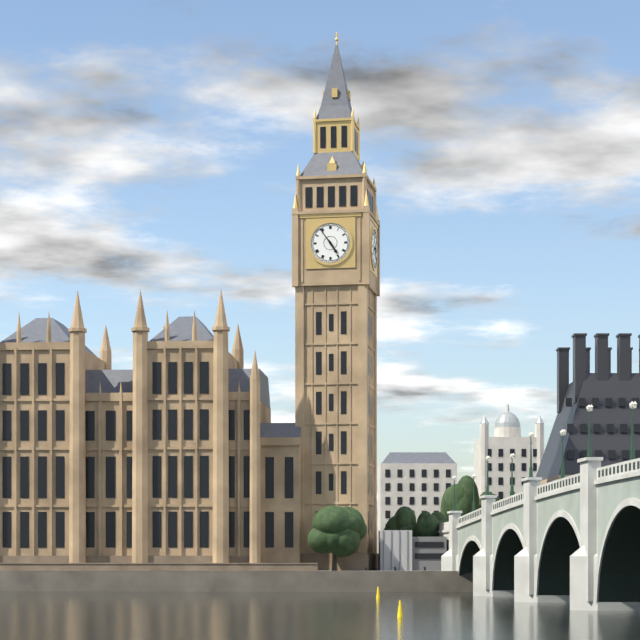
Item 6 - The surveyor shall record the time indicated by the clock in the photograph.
4:54
